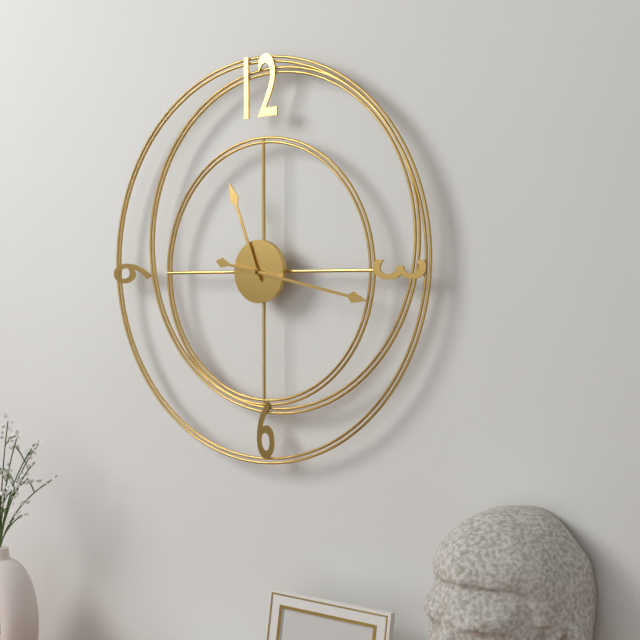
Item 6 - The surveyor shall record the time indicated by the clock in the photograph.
11:17
